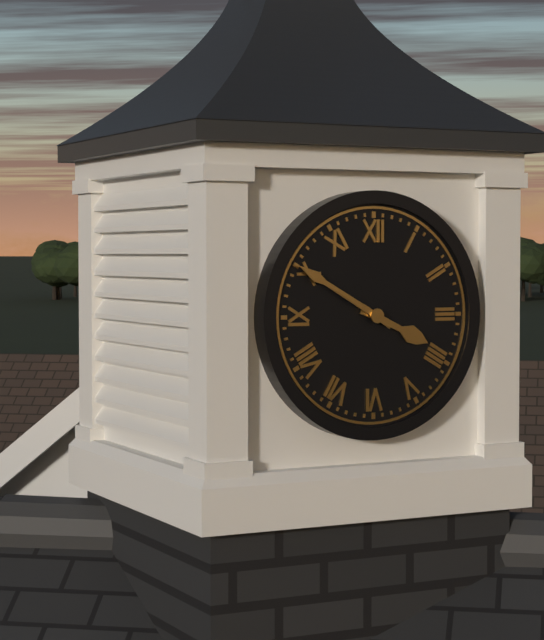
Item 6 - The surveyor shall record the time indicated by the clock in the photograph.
3:50
